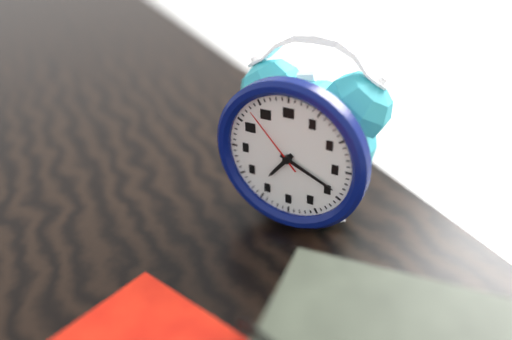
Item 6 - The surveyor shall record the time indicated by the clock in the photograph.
7:19:53
